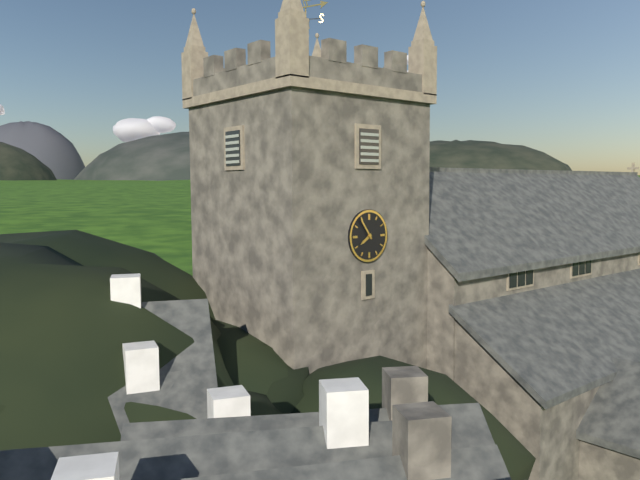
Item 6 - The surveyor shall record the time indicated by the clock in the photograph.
7:54
